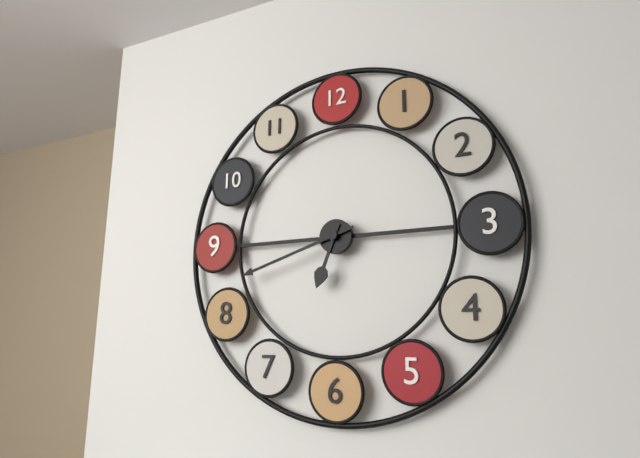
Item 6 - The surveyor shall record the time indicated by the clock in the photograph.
6:42
